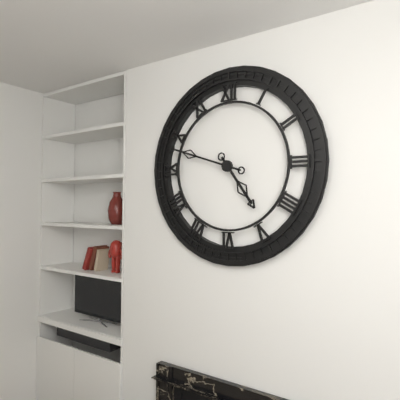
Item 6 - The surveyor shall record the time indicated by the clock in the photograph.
4:48
